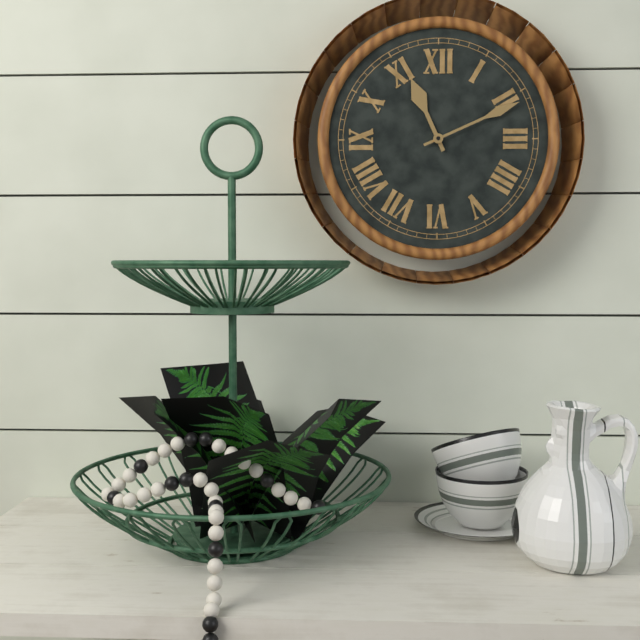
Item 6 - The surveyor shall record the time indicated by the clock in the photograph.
11:11
